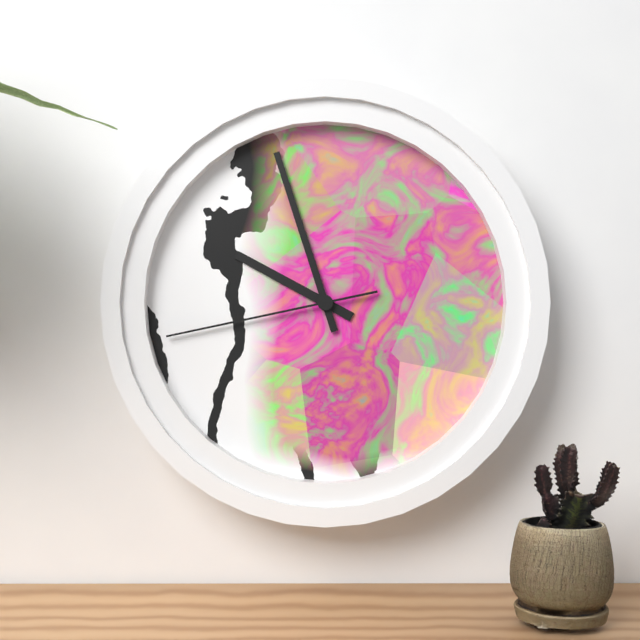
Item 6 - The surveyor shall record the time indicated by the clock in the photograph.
9:57:43
